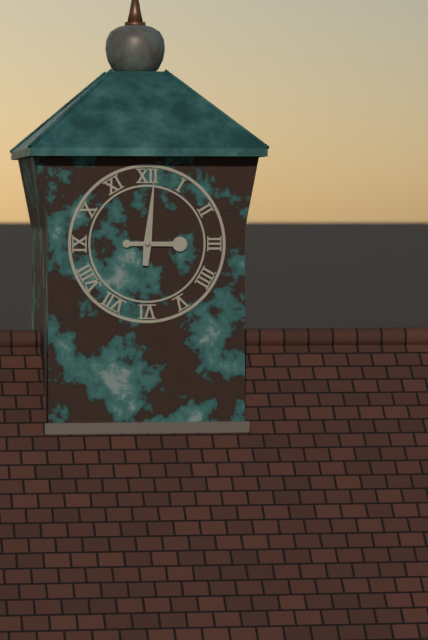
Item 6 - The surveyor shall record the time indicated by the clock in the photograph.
3:01
